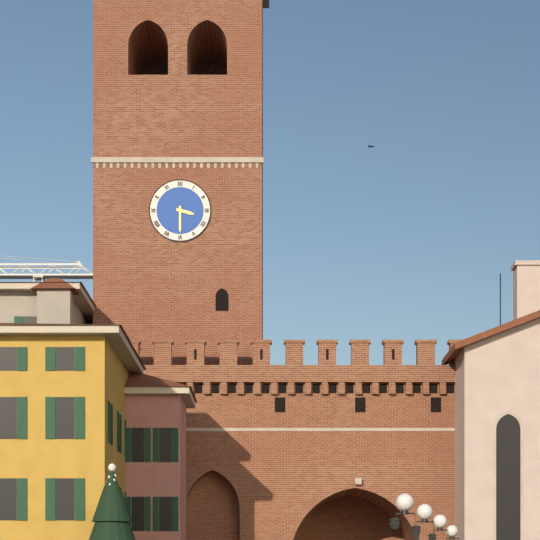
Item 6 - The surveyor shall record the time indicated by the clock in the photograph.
3:30
